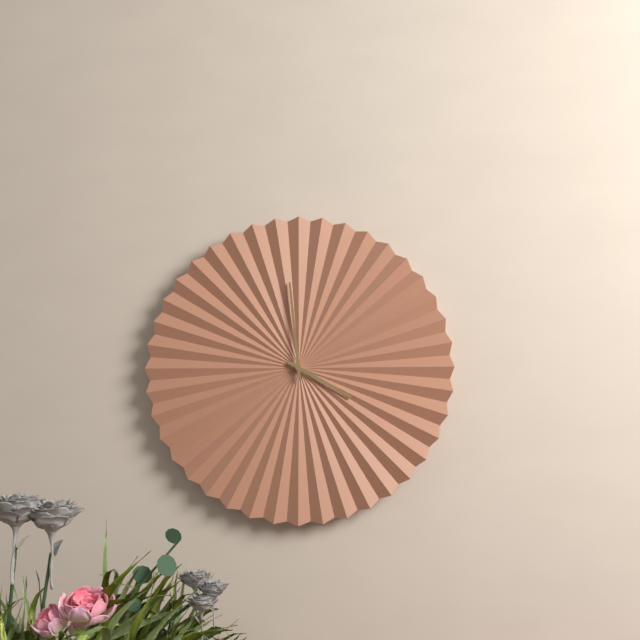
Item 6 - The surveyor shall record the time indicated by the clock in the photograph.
3:59
